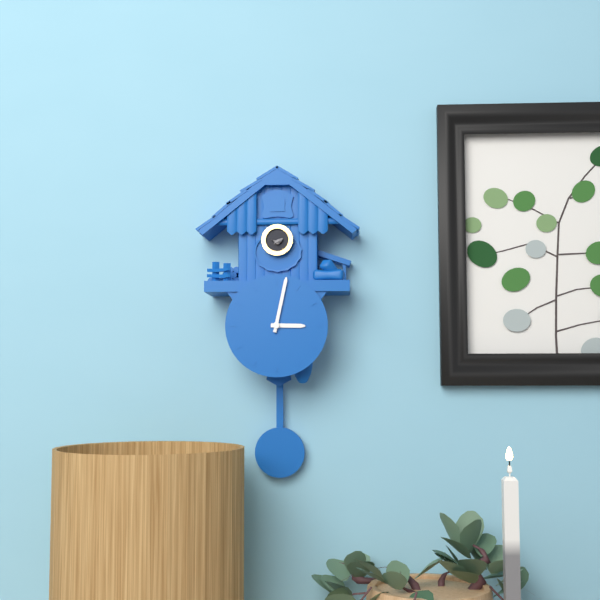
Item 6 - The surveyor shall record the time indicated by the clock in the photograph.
3:02
